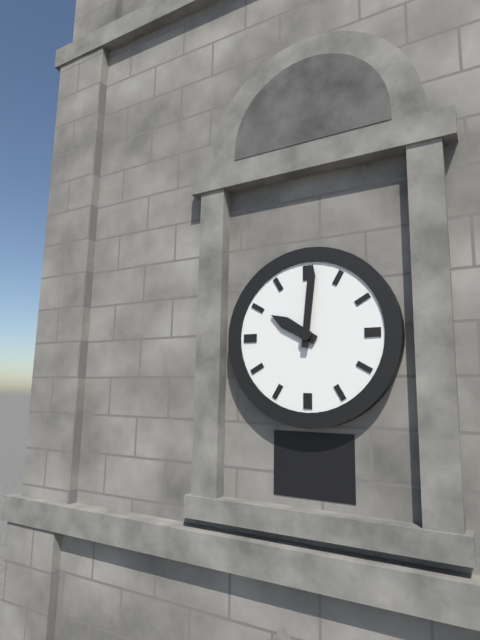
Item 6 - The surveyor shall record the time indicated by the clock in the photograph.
10:01
